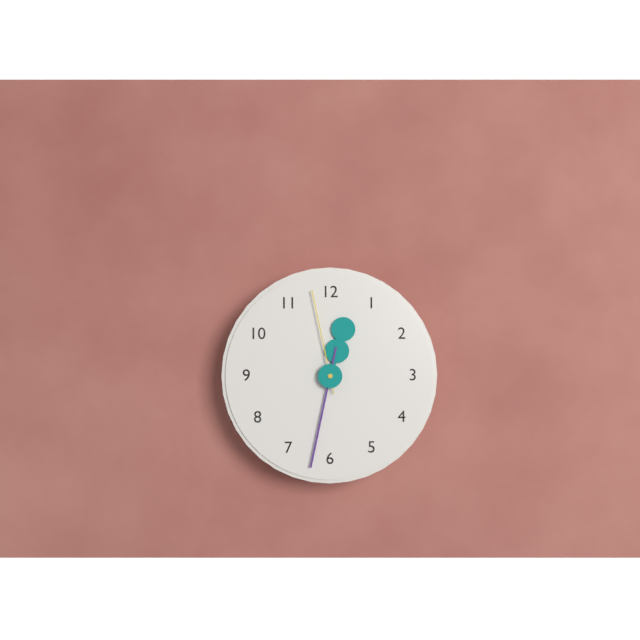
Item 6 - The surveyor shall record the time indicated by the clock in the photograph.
12:32:58
